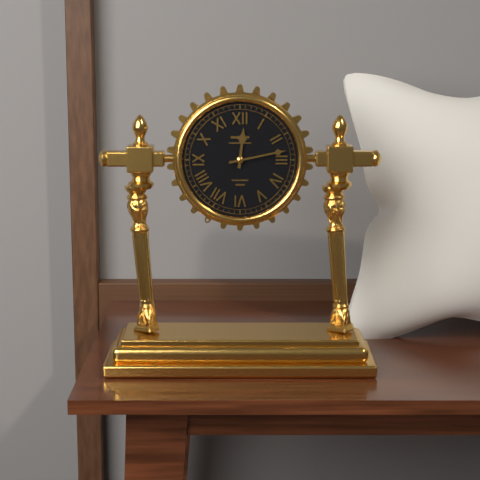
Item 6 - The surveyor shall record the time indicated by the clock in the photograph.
12:13
